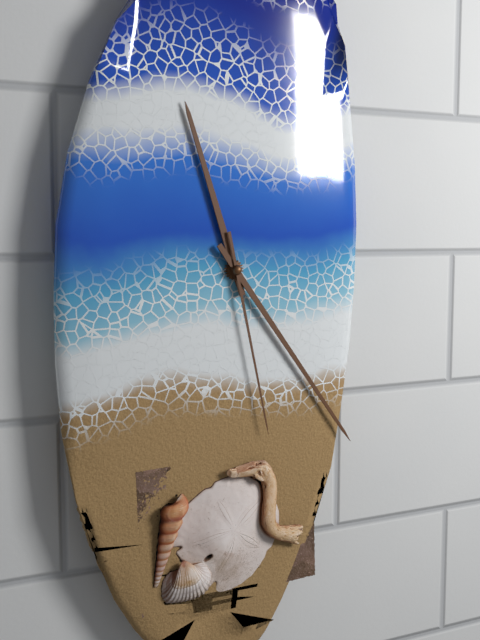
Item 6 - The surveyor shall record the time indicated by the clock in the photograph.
11:24:28
